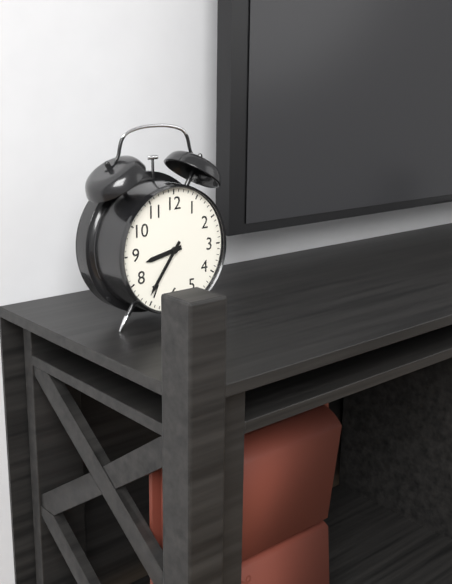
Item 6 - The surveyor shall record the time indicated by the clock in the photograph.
8:36
